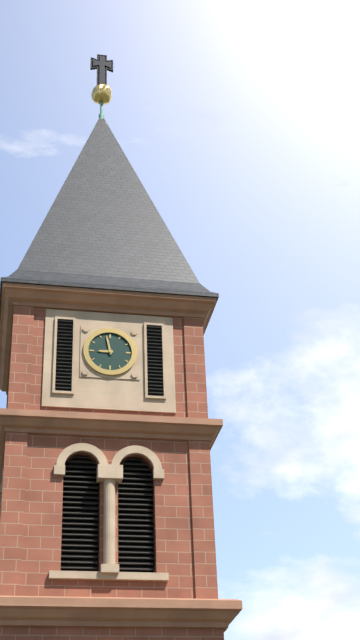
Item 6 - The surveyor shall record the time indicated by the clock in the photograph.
8:58
